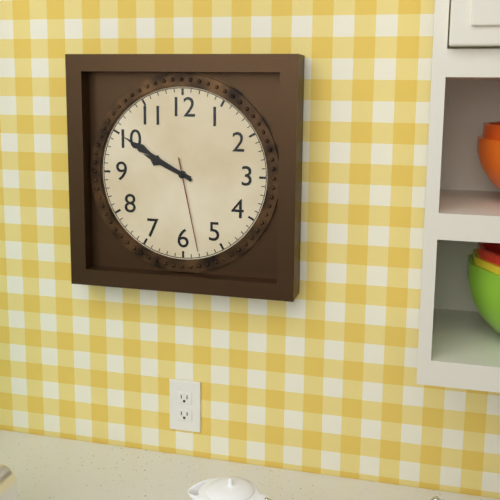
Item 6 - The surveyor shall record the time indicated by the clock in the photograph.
9:50:28
